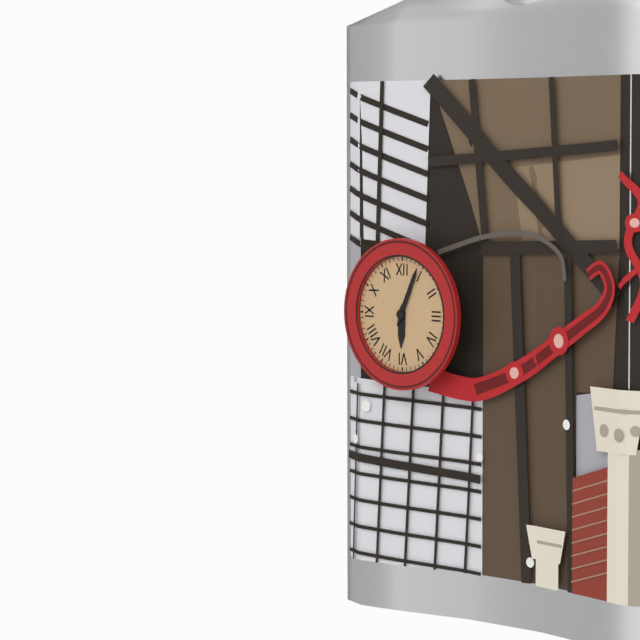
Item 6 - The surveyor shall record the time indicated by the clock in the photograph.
6:04
